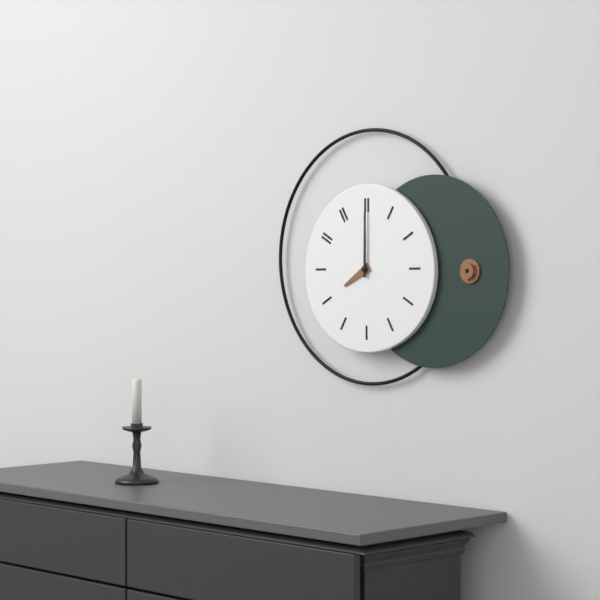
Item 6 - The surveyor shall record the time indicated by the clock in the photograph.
8:00
